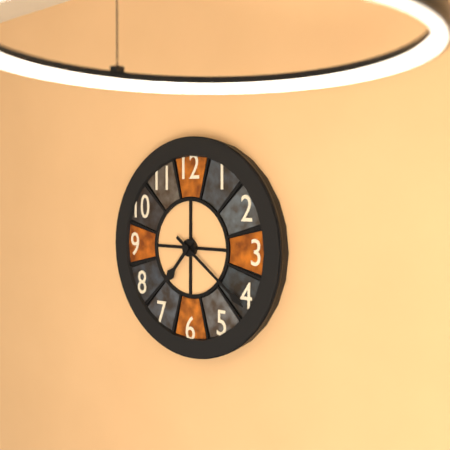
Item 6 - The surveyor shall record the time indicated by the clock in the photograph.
7:21
